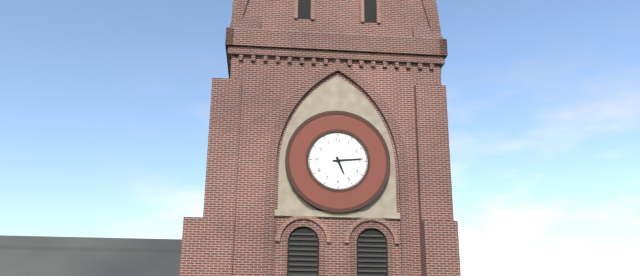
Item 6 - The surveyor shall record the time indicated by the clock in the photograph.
5:14
